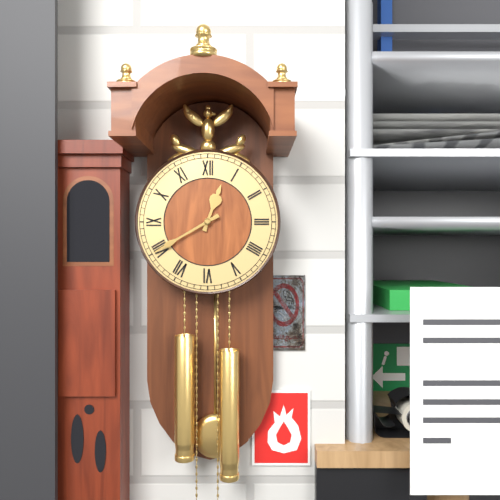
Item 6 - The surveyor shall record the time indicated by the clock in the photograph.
12:40
